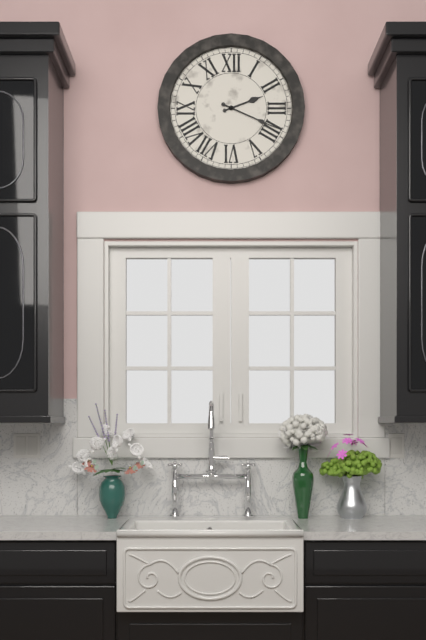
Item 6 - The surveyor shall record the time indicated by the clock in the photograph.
2:19
